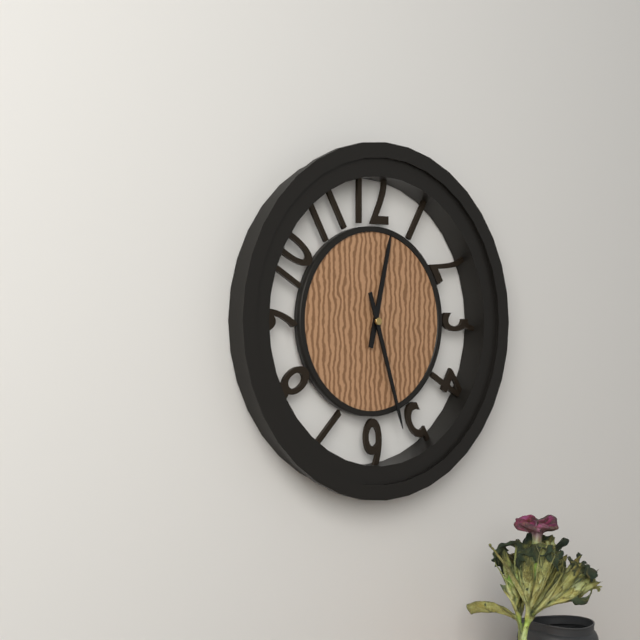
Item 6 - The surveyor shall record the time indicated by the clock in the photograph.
12:27
